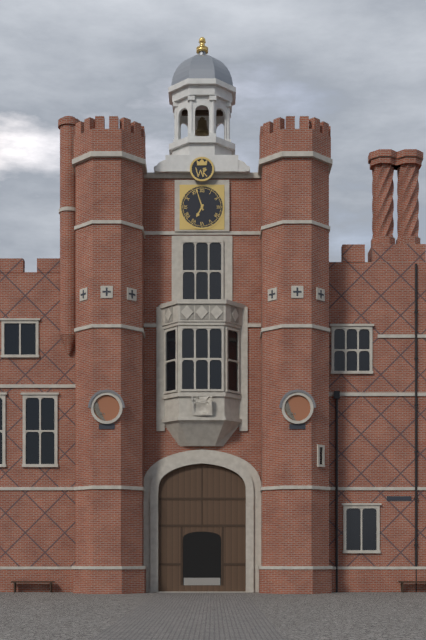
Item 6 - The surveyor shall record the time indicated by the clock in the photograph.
6:57
